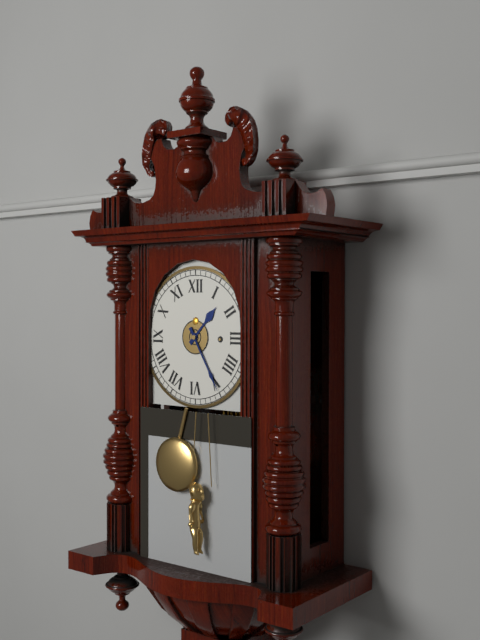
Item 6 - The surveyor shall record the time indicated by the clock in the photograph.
1:25
